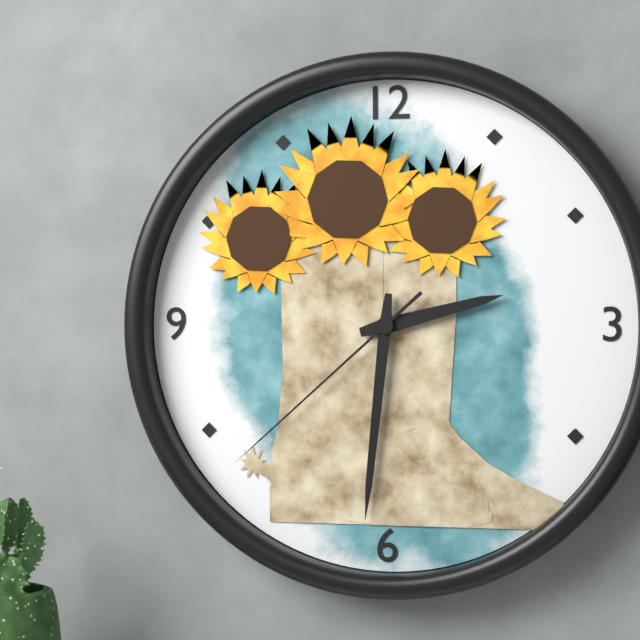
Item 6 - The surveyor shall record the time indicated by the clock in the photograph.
2:31:38
